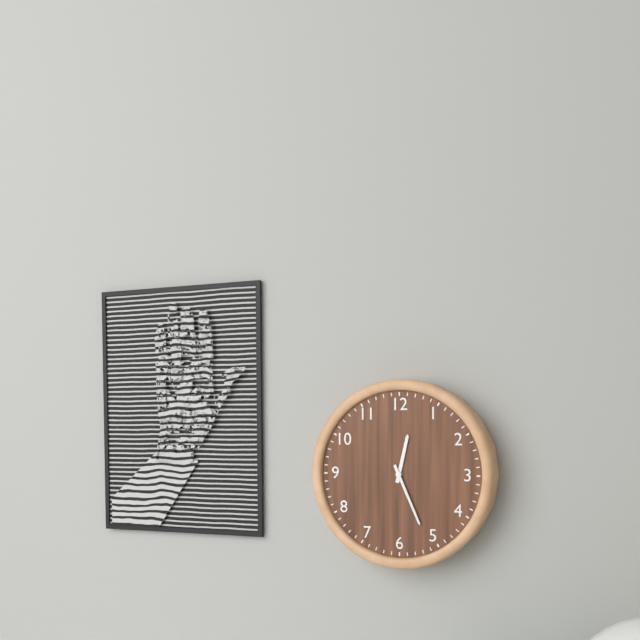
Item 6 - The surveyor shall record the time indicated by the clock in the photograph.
12:26
